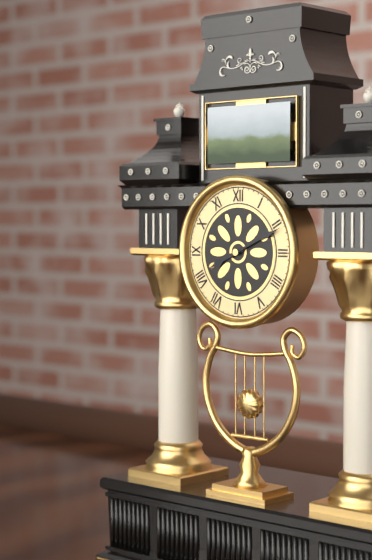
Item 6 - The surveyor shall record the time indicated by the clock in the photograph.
8:11
